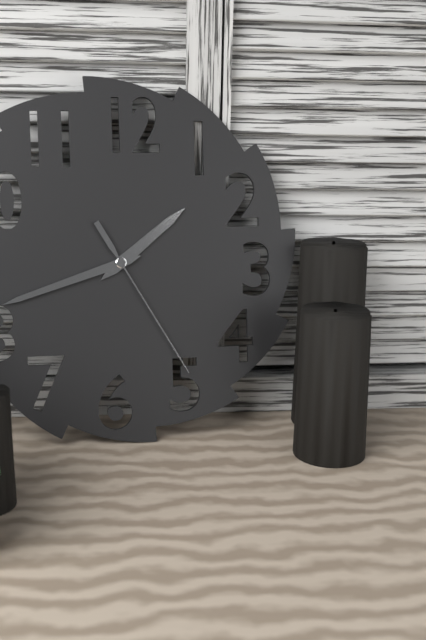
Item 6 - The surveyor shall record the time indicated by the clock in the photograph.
1:42:25
